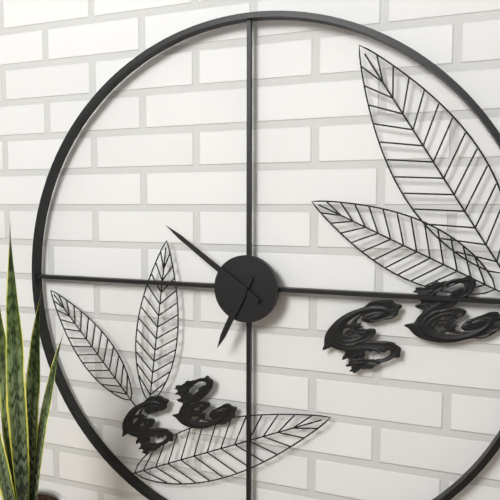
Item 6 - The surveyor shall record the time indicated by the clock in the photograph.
6:51
